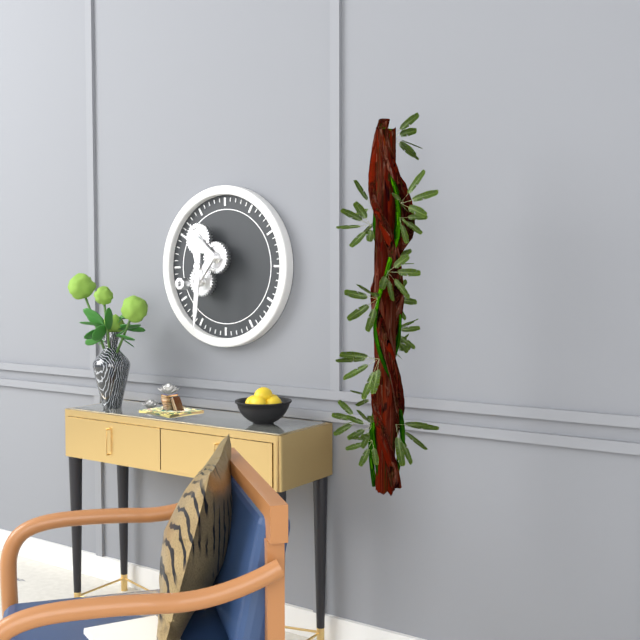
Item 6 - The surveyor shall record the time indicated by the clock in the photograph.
11:31
